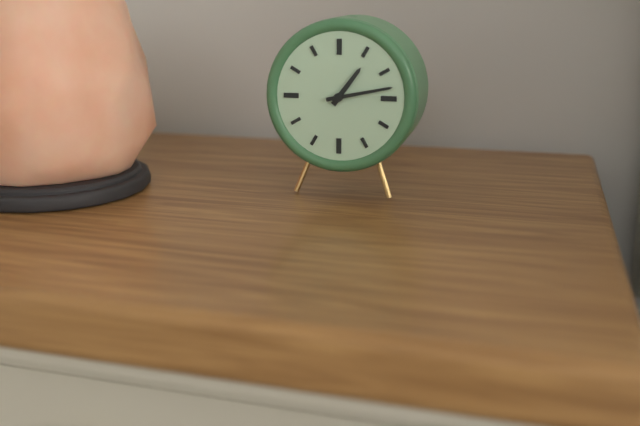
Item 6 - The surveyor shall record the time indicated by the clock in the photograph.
1:13
